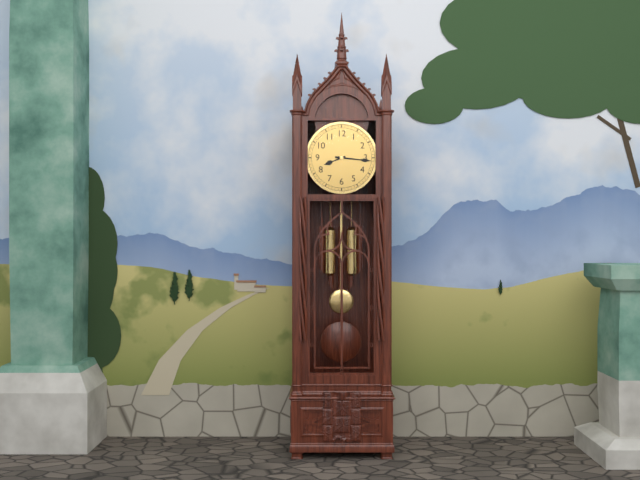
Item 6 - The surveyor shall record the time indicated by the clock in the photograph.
8:16
